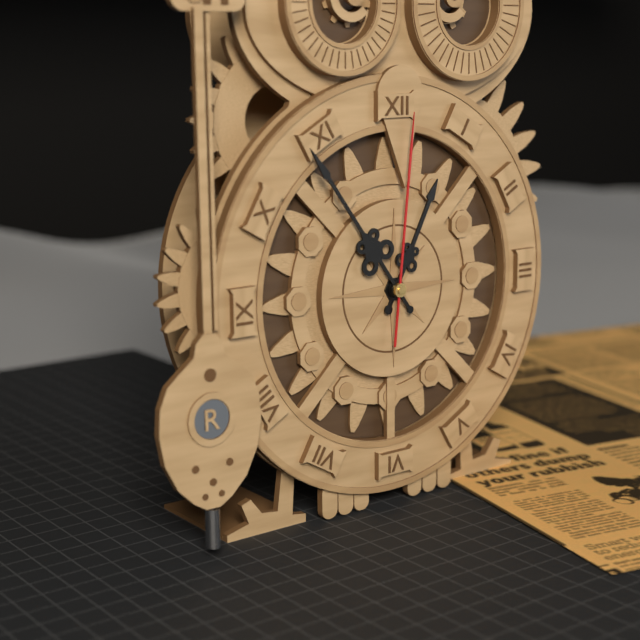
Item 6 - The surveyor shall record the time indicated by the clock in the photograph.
12:54:01
